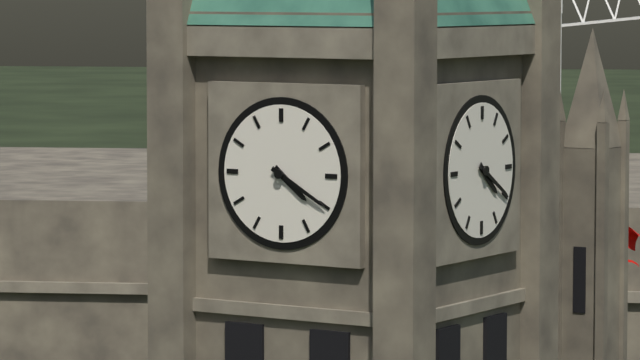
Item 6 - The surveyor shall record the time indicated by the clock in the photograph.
4:20
